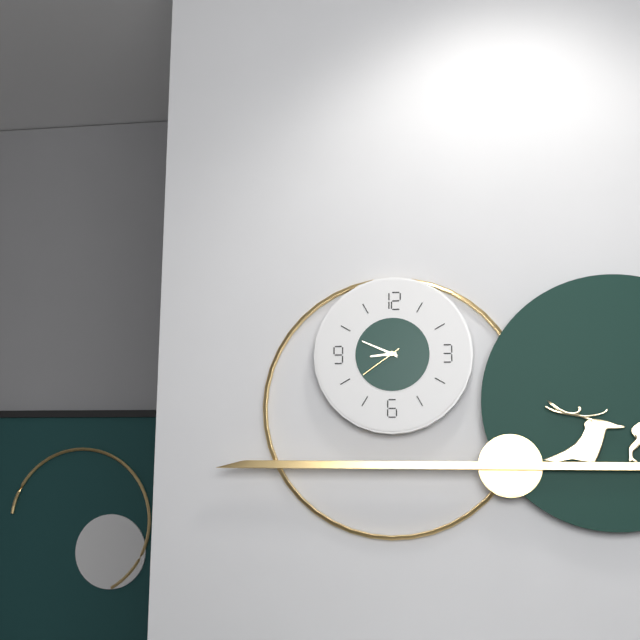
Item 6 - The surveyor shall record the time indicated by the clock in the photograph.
8:49
